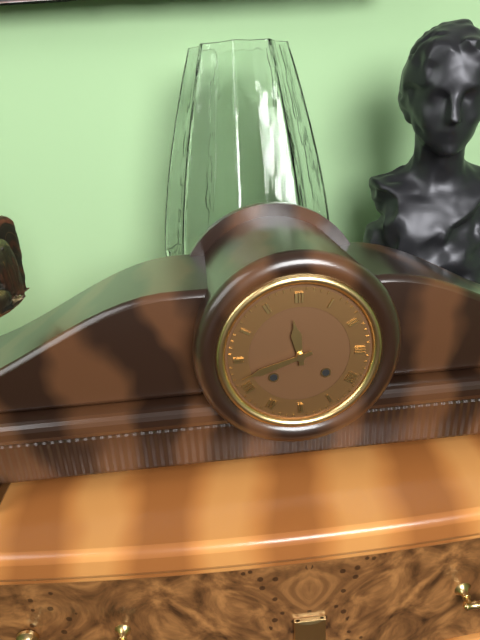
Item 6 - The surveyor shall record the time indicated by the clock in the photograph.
11:42
